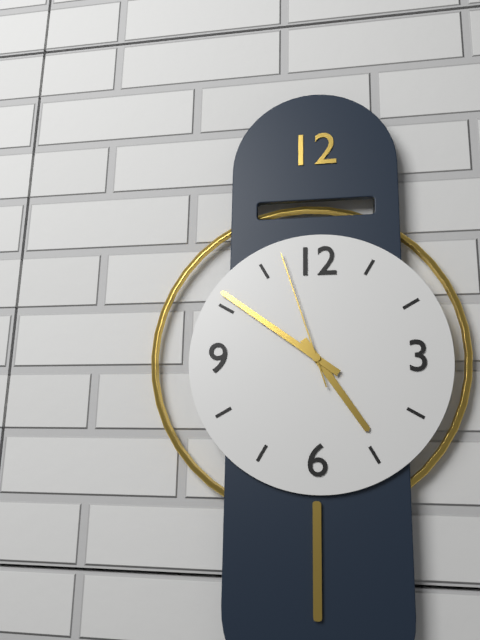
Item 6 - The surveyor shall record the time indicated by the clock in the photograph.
4:51:57
